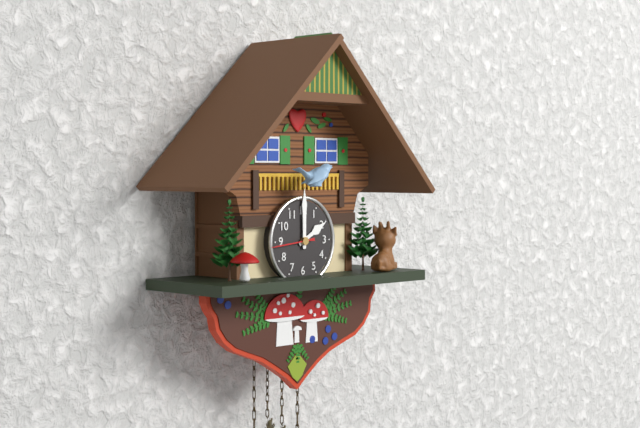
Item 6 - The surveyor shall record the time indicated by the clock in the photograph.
2:00
